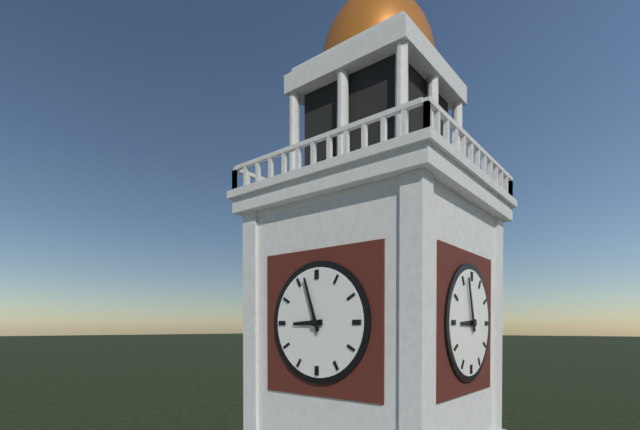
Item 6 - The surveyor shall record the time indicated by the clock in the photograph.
8:57
